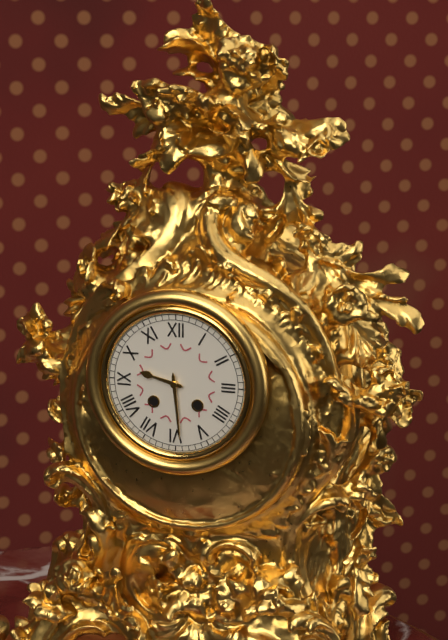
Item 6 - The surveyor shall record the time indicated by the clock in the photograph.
9:29
